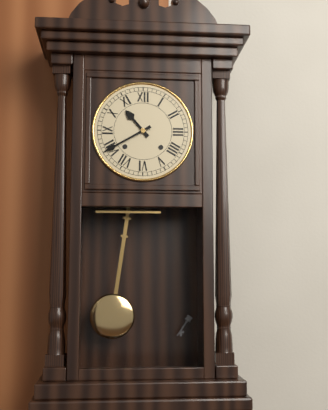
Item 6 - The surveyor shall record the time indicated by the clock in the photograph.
10:40
